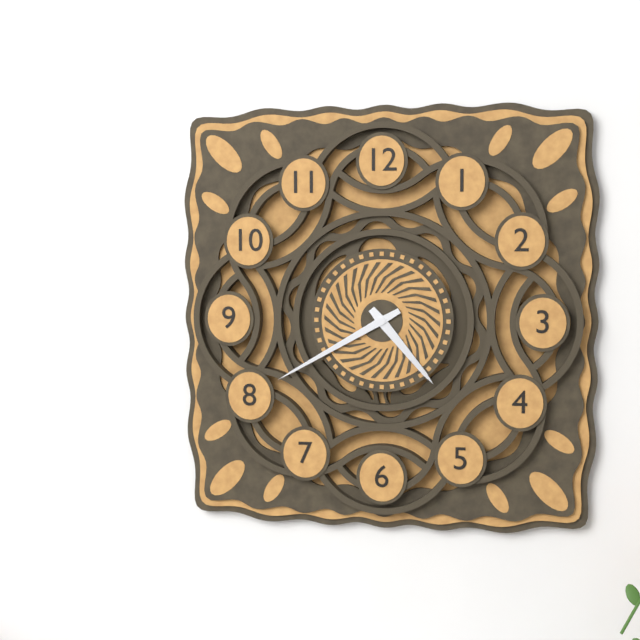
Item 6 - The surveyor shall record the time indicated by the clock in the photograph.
4:40
